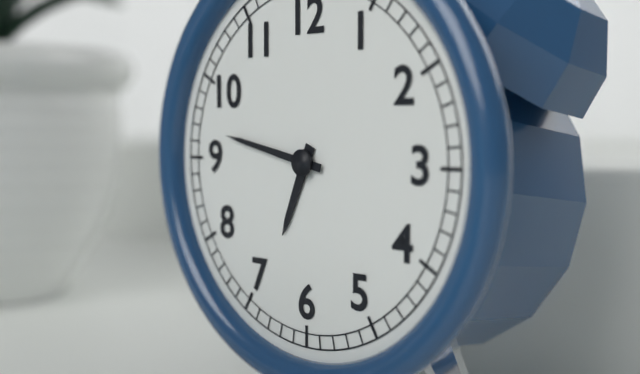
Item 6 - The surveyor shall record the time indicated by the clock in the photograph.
6:47
